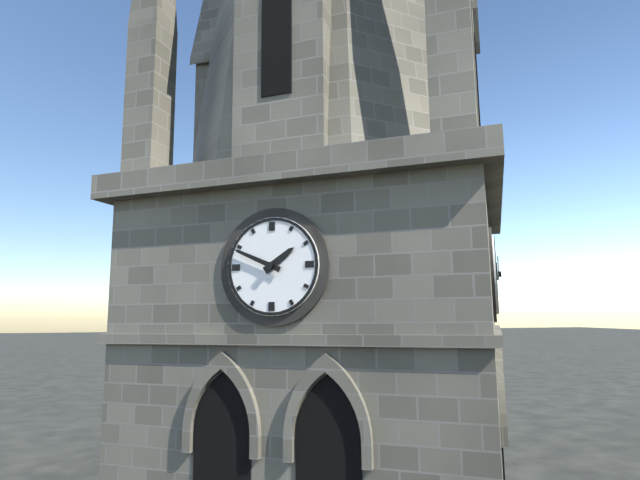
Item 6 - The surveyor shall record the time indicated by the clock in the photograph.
1:49
